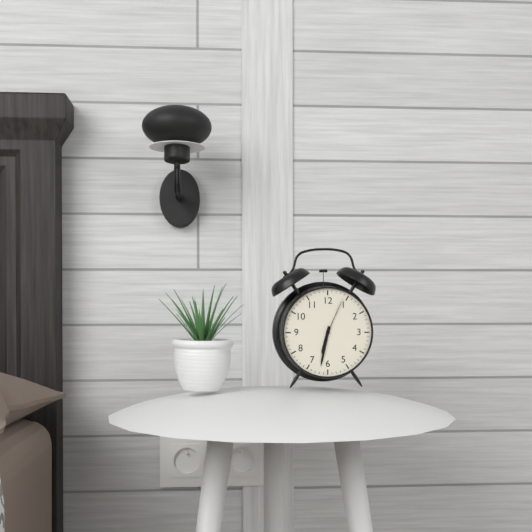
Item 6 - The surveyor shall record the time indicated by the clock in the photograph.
6:32
